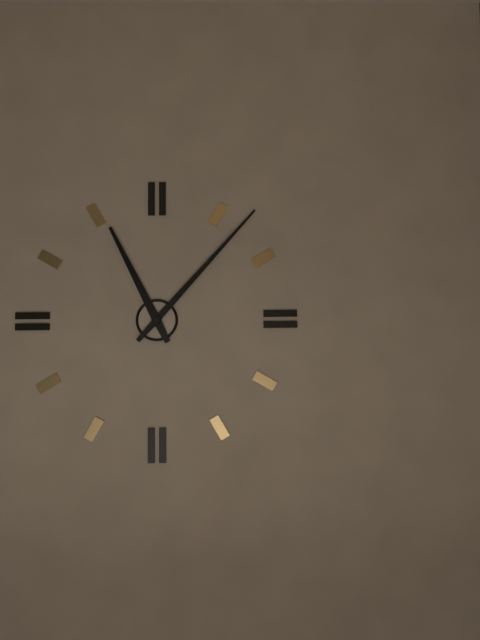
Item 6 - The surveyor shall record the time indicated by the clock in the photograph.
11:07
